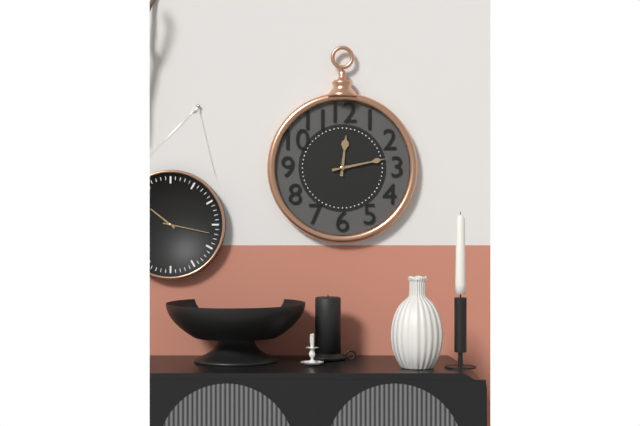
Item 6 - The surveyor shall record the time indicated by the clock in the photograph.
12:13
